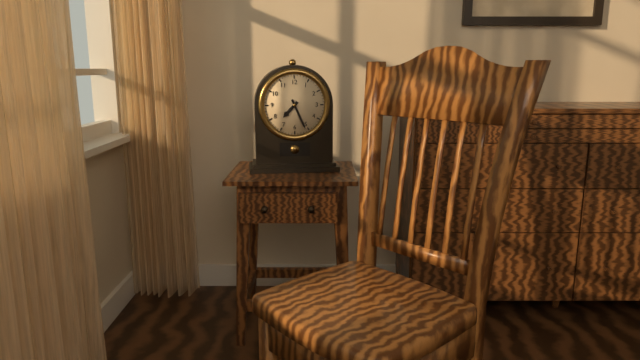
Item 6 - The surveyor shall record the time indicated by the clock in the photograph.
7:26
